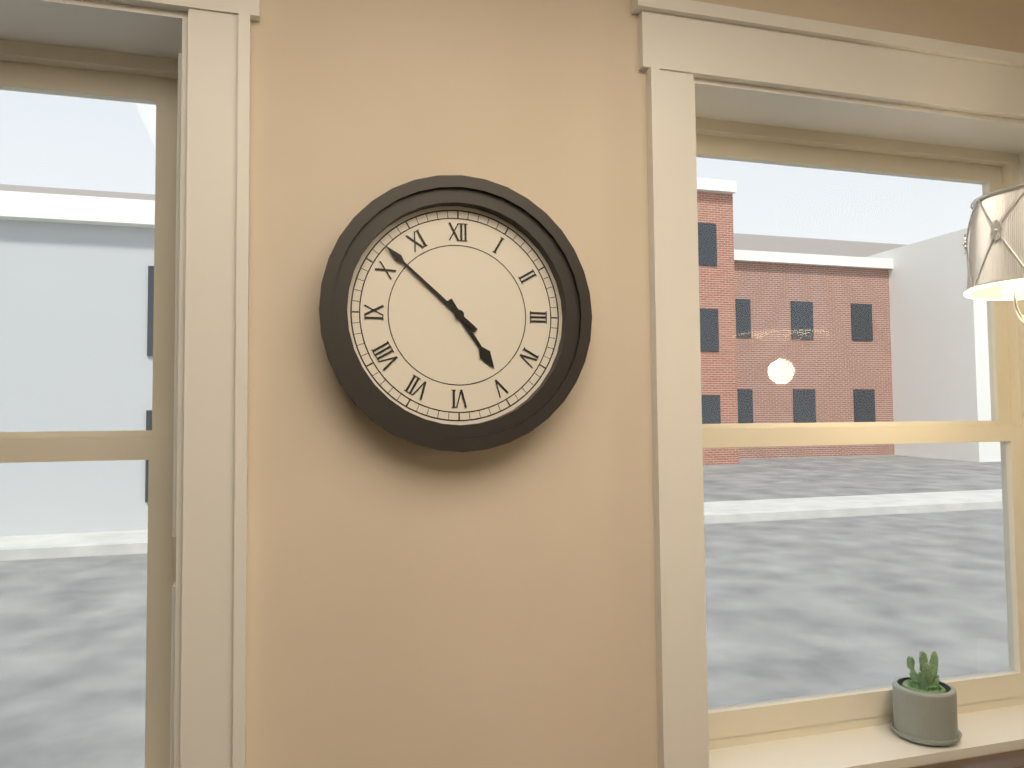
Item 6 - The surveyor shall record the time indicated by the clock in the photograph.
4:52
